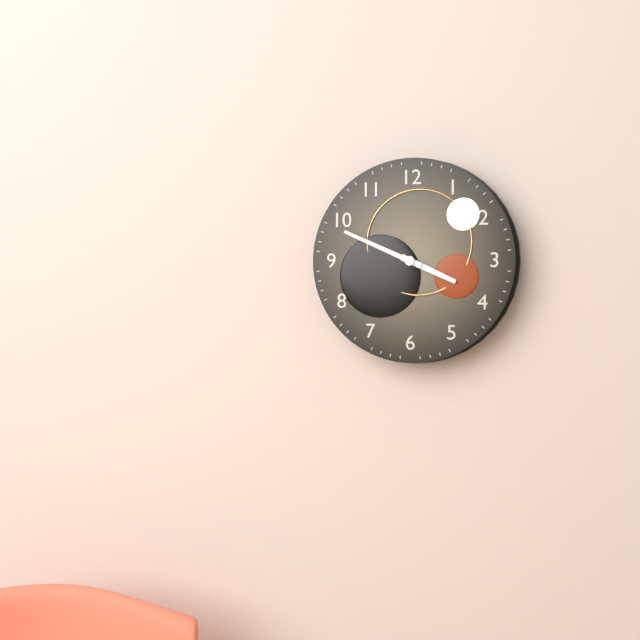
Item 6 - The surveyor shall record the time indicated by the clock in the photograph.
3:49
